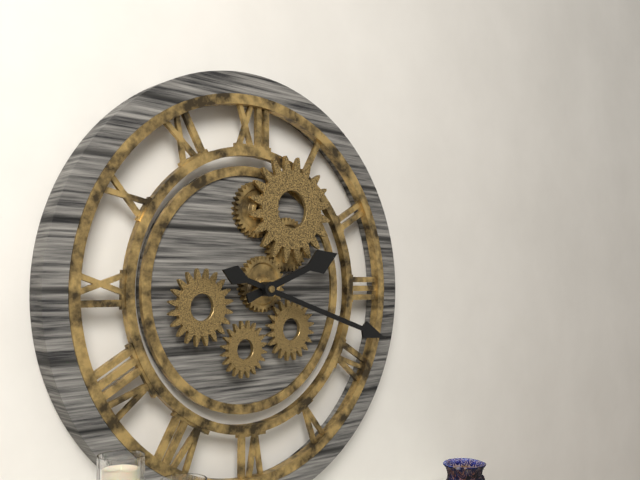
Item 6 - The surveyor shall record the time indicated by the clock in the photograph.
2:18
